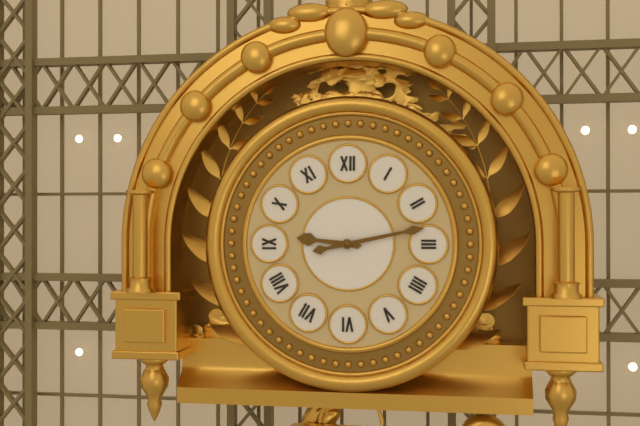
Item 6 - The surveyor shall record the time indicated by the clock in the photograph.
9:13
